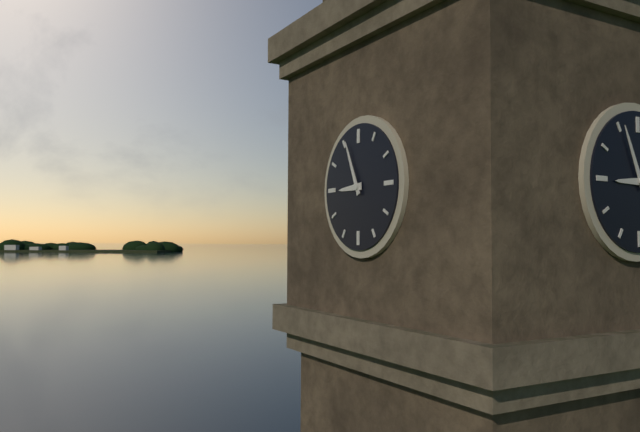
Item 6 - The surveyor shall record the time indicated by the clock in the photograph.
8:56
